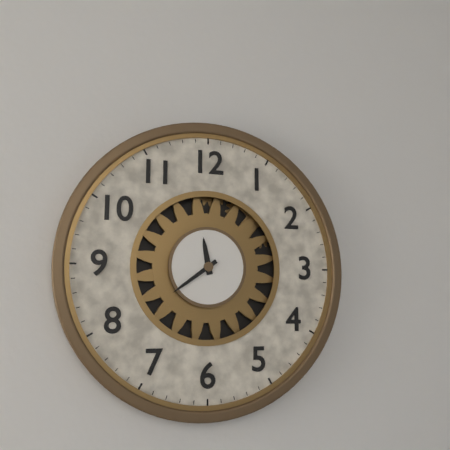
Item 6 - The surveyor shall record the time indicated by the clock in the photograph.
11:39
